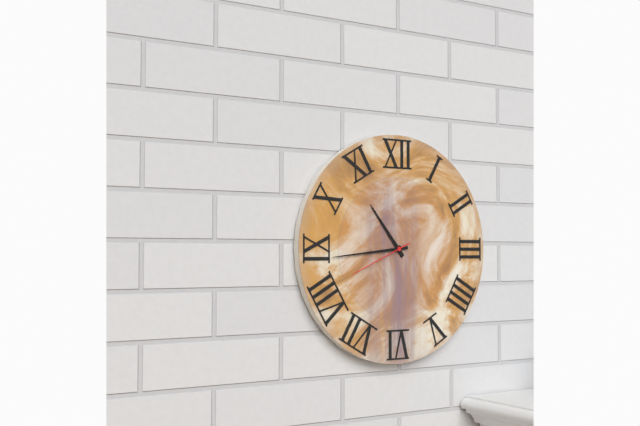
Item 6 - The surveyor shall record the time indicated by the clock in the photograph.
10:44:41
